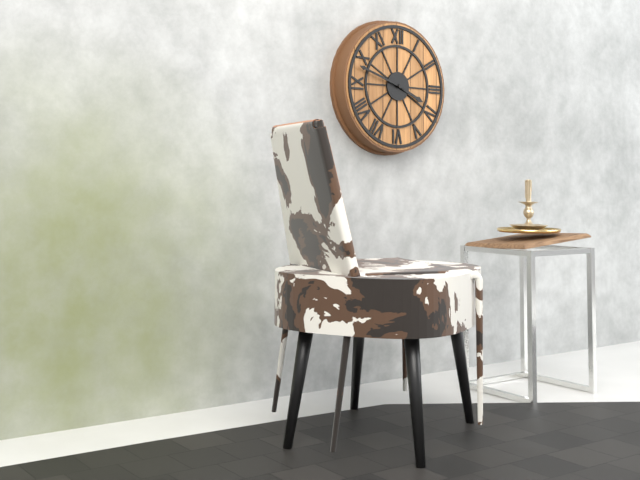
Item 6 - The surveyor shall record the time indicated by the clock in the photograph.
3:48
